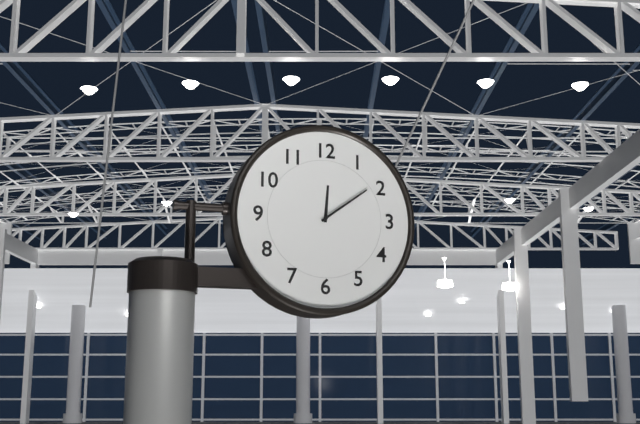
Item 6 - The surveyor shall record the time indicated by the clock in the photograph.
12:09
